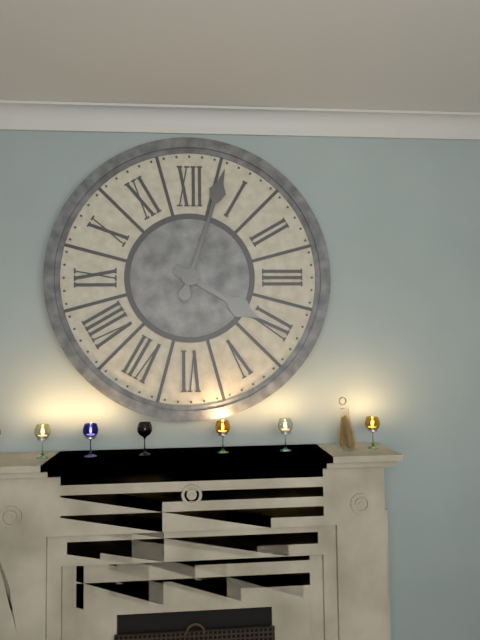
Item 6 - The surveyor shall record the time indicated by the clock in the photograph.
4:03
